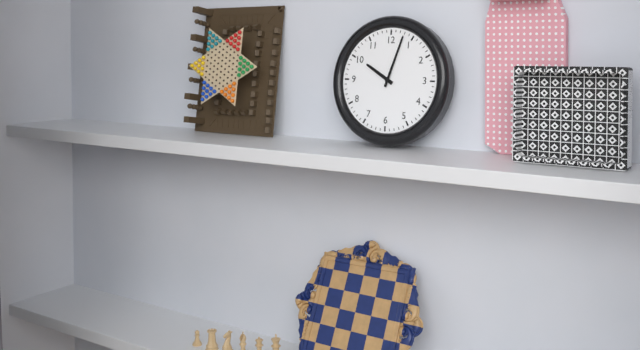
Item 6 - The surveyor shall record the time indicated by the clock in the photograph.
10:03
